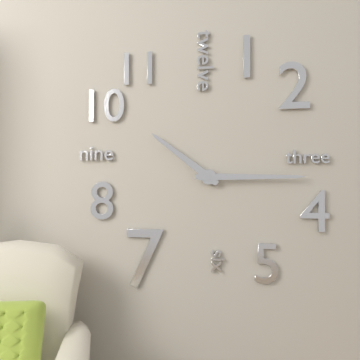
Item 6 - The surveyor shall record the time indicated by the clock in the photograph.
10:15
